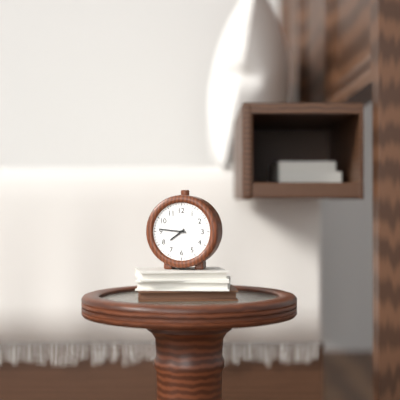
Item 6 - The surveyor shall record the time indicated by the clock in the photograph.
7:46
